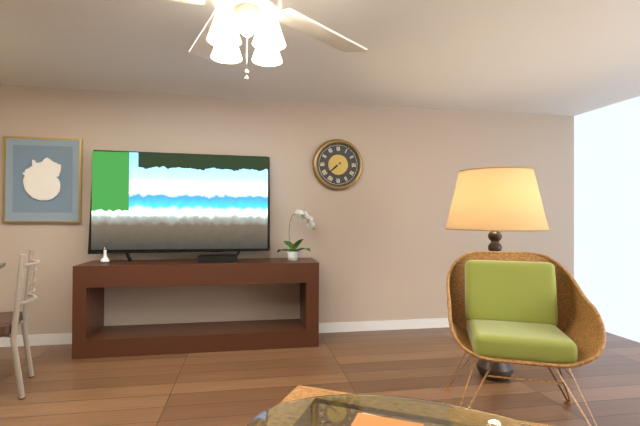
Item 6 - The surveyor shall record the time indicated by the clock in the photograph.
7:38
